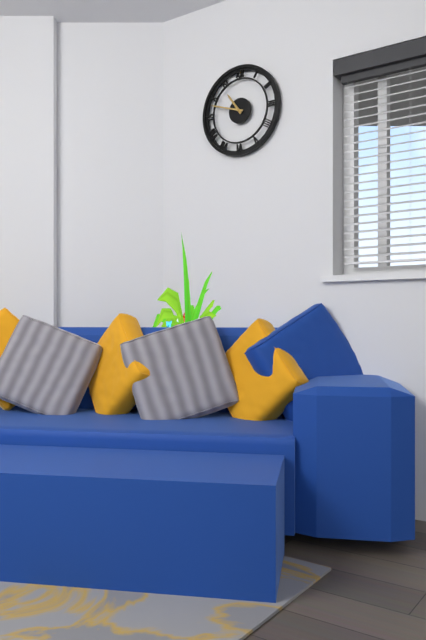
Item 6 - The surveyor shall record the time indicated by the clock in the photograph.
10:48
